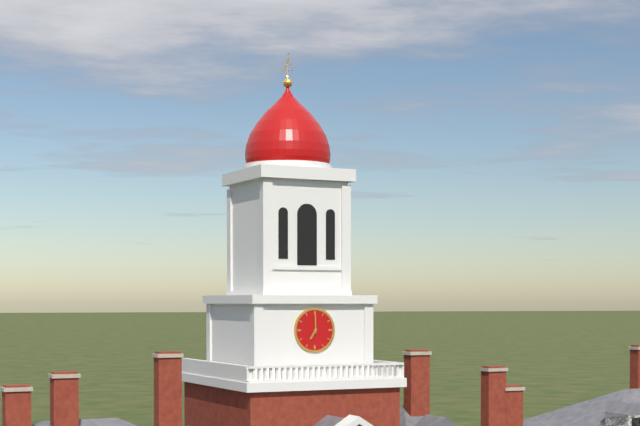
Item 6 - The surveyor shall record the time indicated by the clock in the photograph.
7:00
